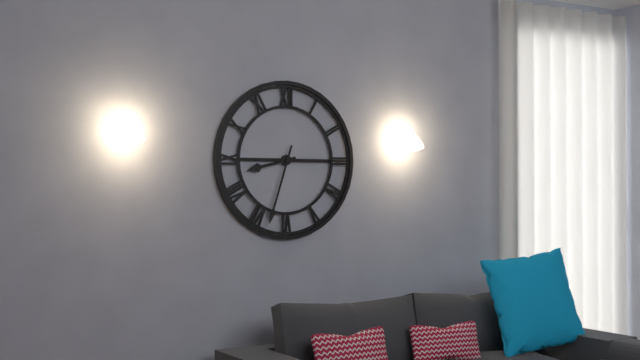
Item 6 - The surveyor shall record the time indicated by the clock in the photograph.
8:33
